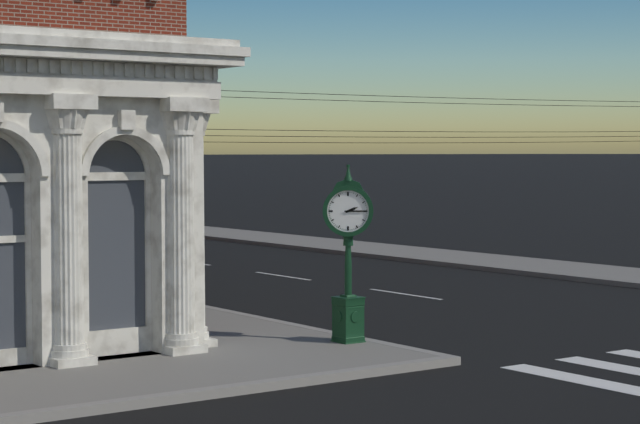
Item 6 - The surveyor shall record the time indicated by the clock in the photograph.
2:15
